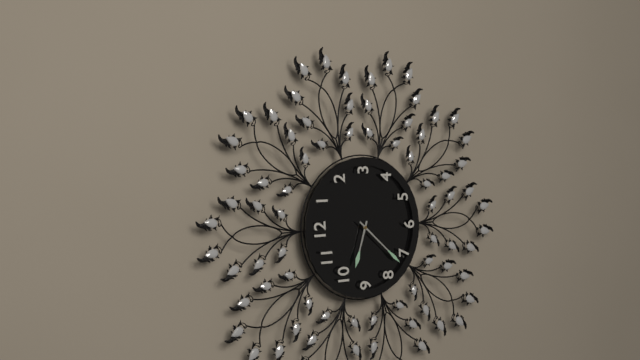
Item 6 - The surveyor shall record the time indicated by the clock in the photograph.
9:37
